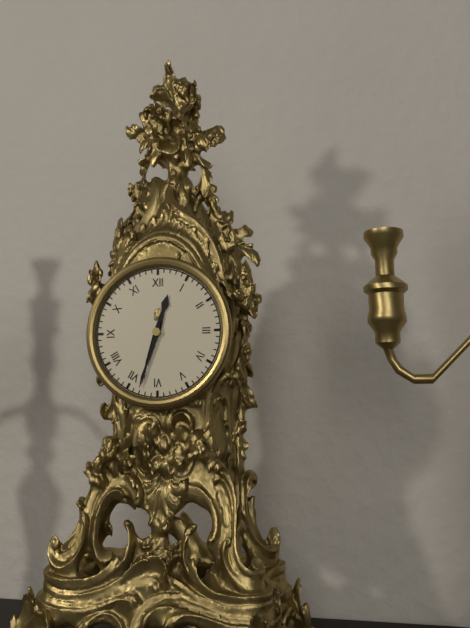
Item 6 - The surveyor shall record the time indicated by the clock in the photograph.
12:33
